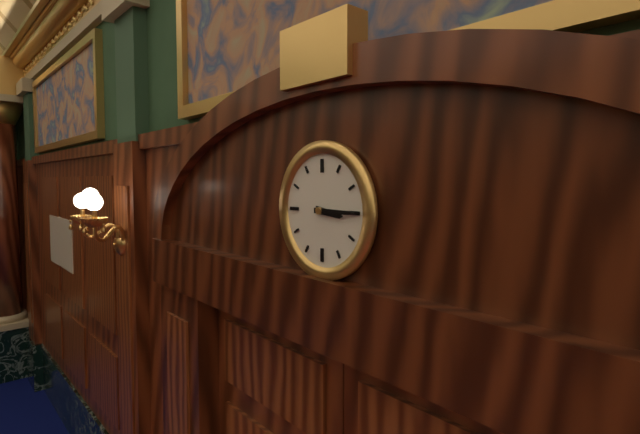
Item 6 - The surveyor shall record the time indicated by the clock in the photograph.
3:15
